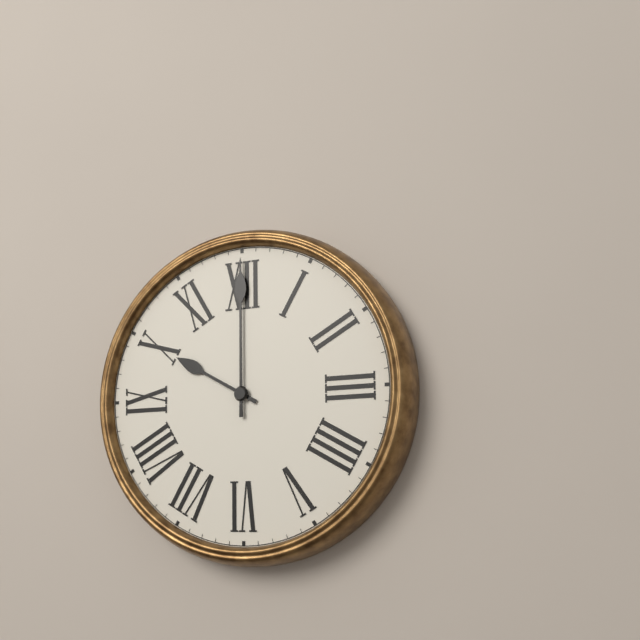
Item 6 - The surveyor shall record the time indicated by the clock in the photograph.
10:00
